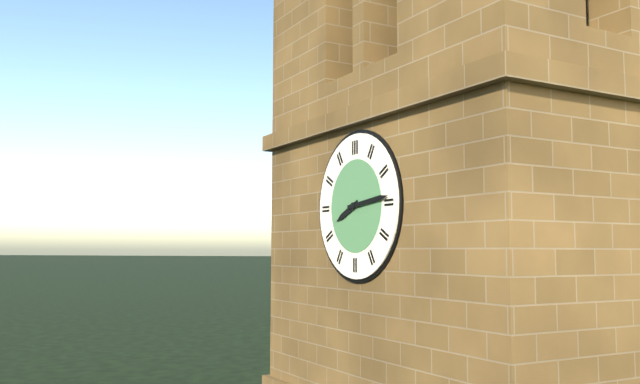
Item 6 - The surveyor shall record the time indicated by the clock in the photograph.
8:14
